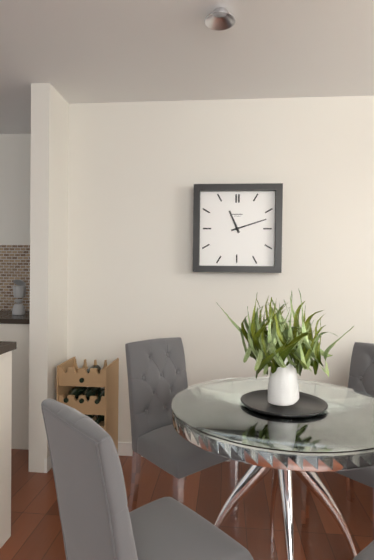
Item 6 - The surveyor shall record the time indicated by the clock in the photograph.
11:12
